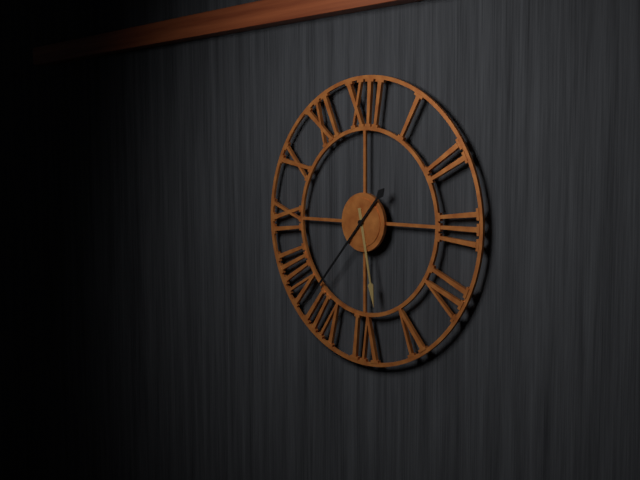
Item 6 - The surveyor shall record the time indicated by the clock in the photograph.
5:37
